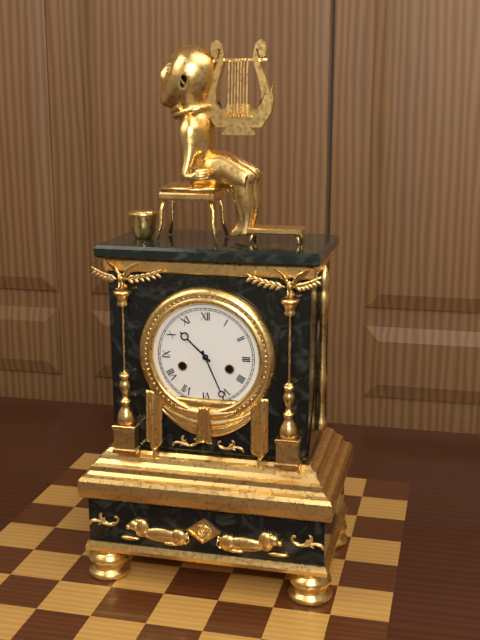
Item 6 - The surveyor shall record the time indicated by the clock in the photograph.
10:26
